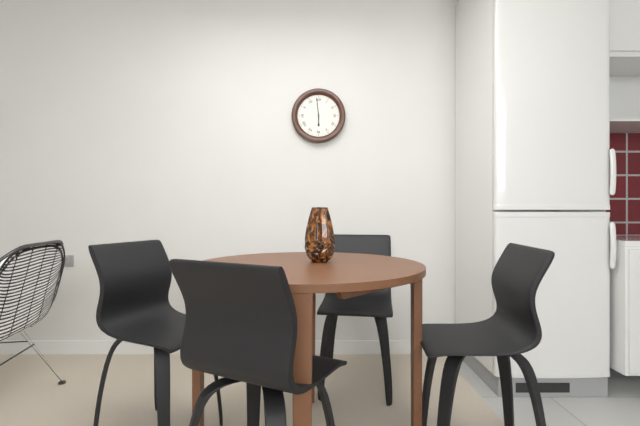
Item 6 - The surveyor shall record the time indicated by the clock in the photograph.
5:59
